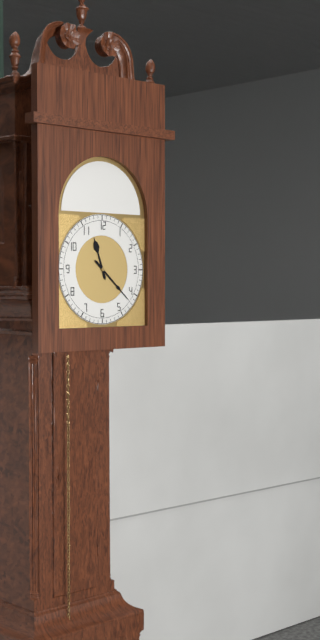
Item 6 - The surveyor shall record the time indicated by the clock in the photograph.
11:22
